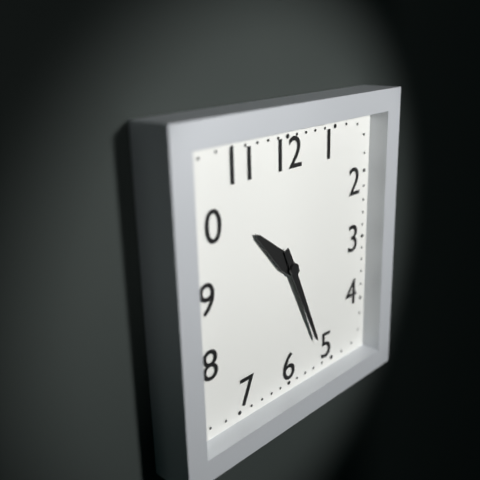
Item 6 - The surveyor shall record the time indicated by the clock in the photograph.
10:26
